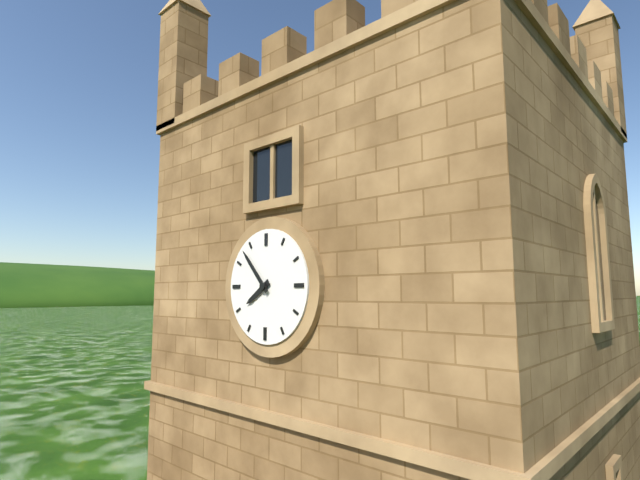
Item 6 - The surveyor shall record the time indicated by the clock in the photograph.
7:53
